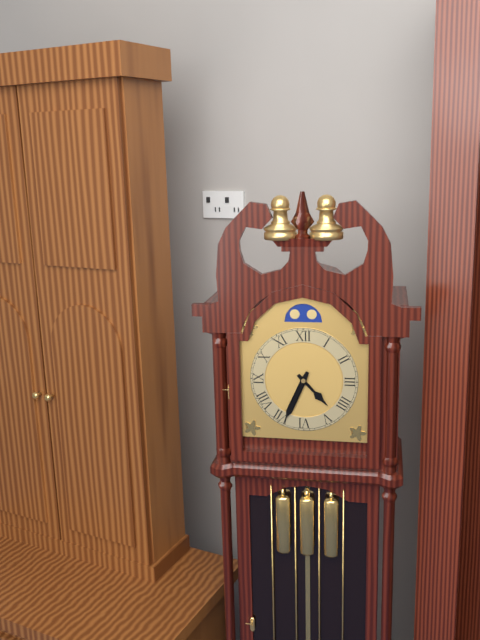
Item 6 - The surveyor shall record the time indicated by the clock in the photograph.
4:34
